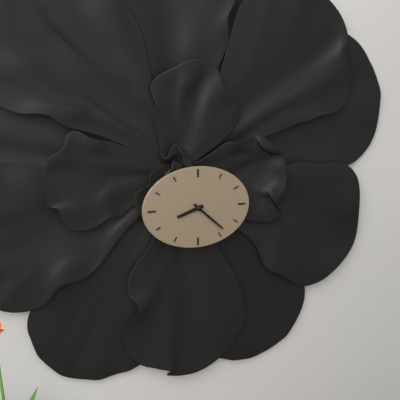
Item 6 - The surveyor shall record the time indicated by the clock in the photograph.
8:22
